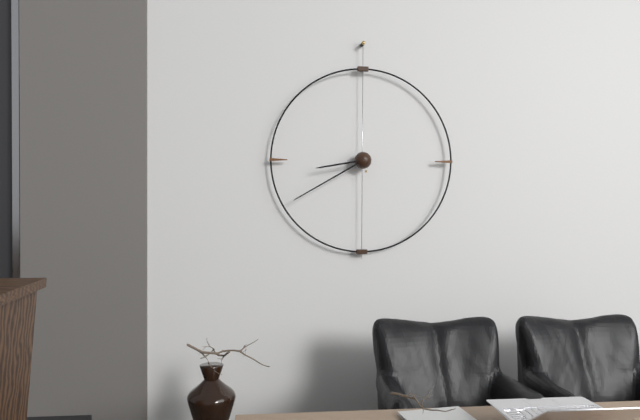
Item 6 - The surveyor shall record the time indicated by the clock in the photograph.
8:40
